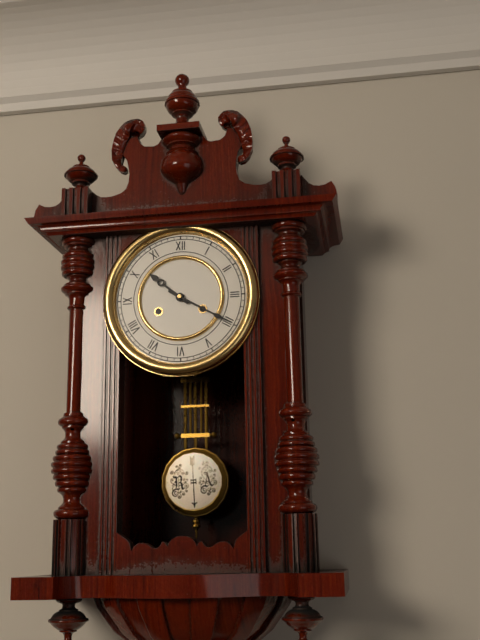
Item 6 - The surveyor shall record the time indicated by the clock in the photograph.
10:20
